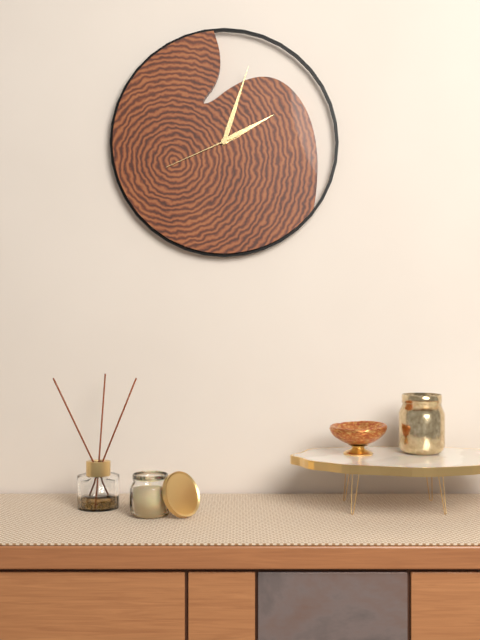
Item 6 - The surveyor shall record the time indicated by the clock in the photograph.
2:03:41
